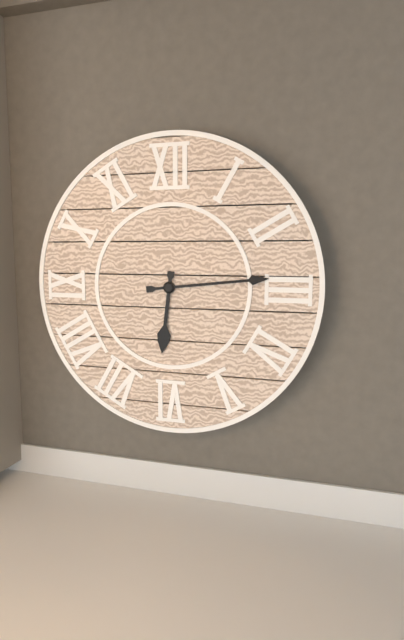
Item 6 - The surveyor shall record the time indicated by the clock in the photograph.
6:14
